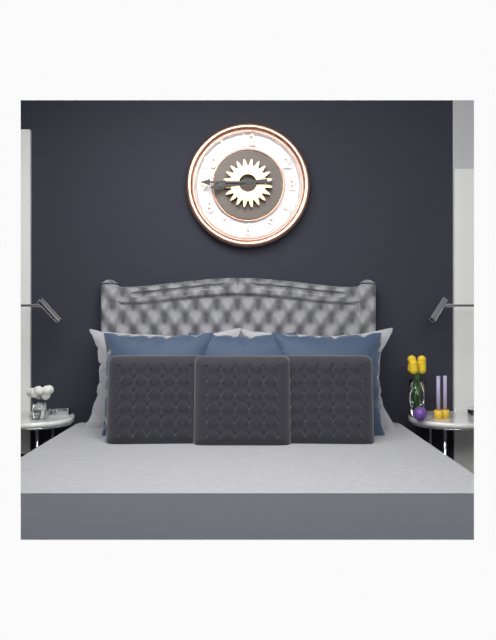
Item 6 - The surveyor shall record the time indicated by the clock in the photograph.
8:45
